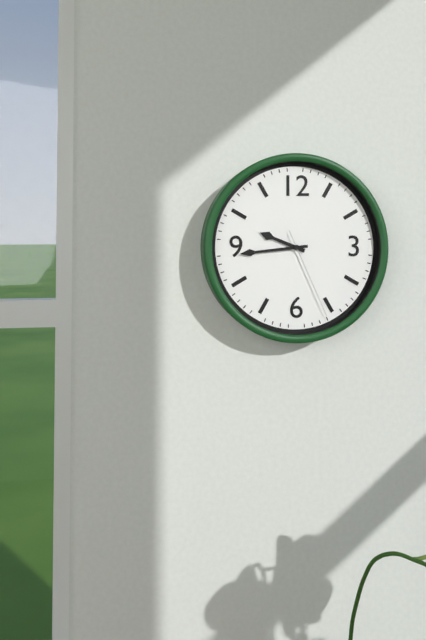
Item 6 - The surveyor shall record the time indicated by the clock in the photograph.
9:44:26
